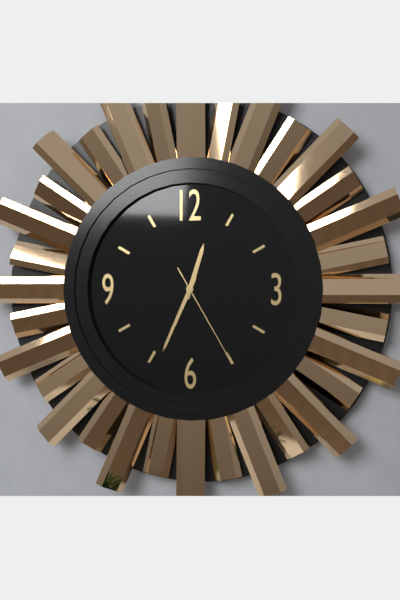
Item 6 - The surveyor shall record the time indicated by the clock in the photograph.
12:34:25
